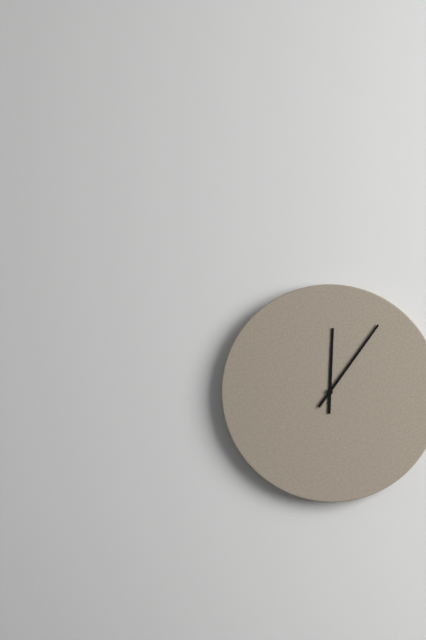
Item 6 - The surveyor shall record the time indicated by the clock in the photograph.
12:06
